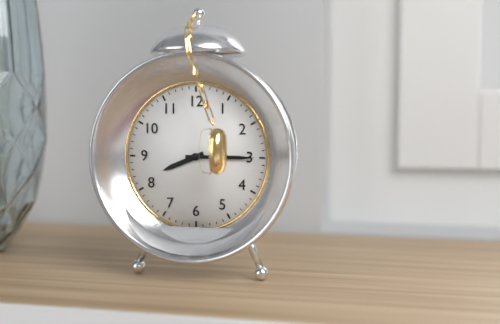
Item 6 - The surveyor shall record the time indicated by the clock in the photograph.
8:15
